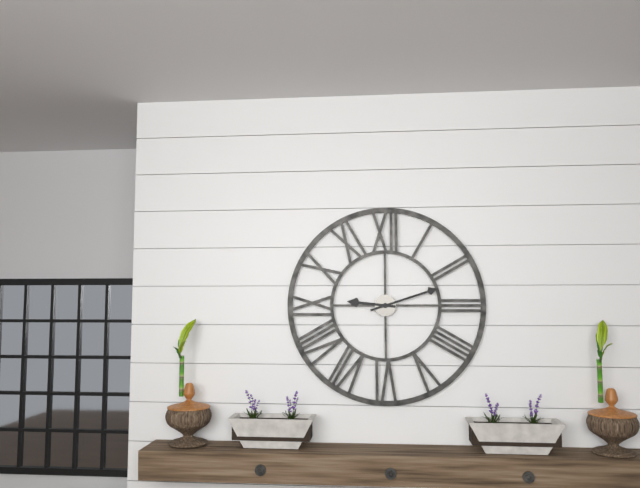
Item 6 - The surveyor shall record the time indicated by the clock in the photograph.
9:12
